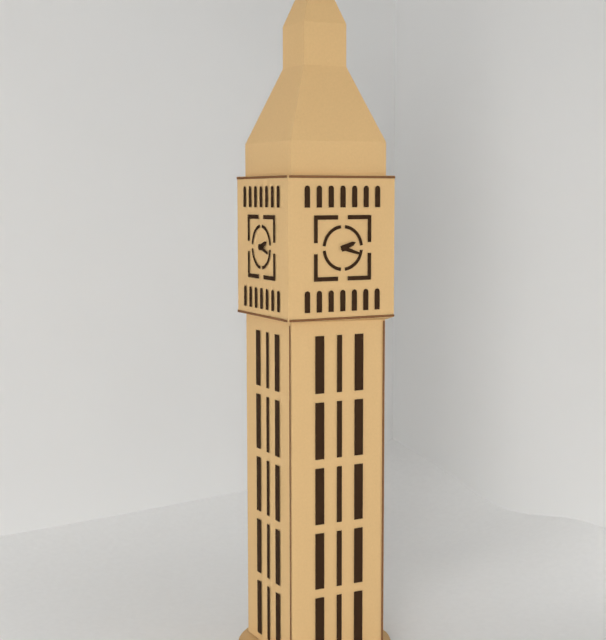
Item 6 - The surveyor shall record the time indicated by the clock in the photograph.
2:18
